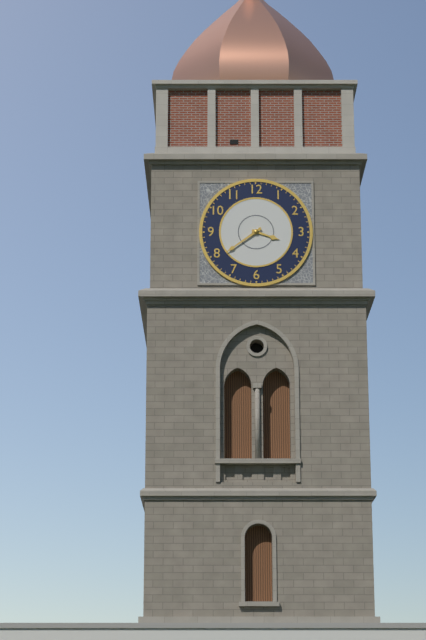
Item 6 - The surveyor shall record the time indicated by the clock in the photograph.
3:39
